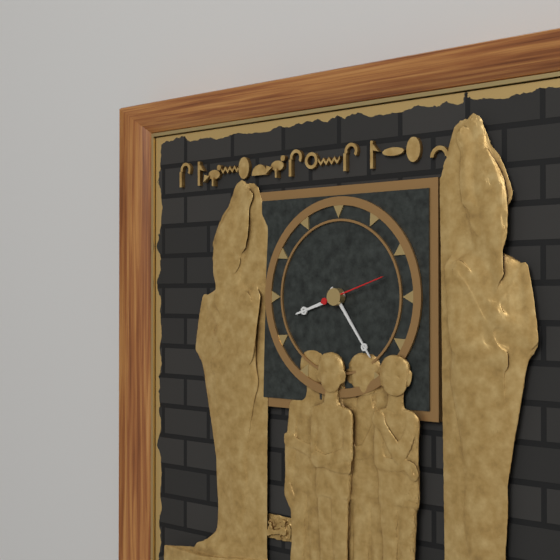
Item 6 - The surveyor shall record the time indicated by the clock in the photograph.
8:24:12
